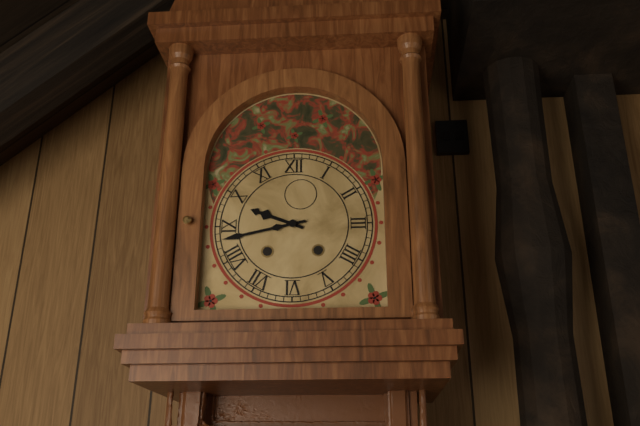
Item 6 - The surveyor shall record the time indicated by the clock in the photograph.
9:43
